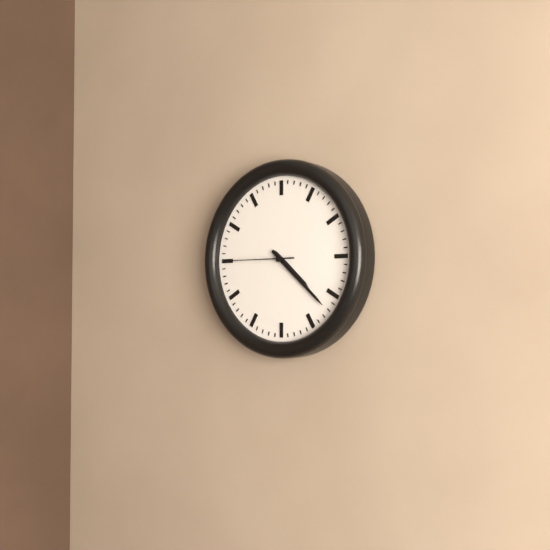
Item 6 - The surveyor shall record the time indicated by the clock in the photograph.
4:22:45
